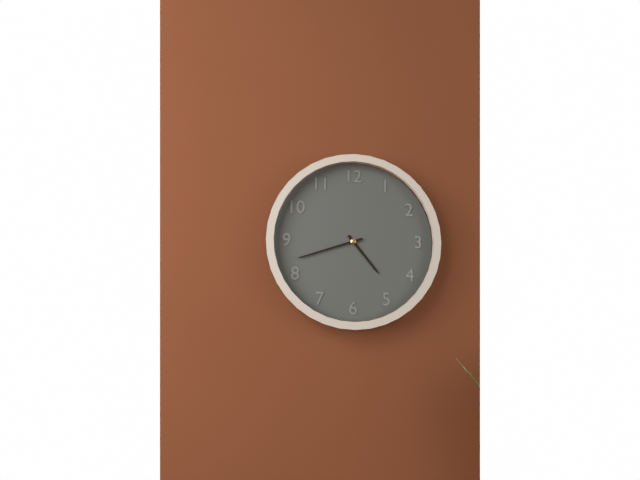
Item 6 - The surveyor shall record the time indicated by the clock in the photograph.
4:42
